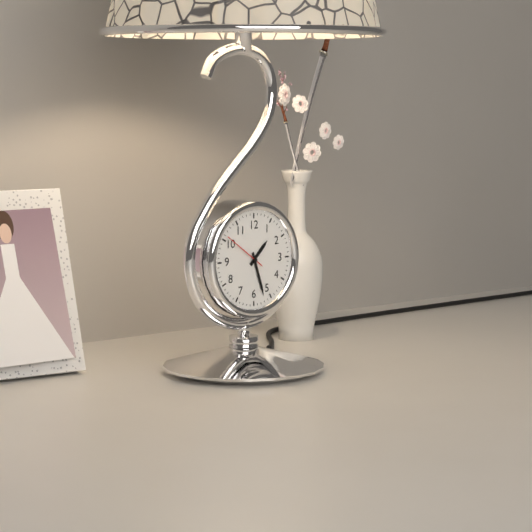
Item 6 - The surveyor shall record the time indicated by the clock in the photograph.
1:27
